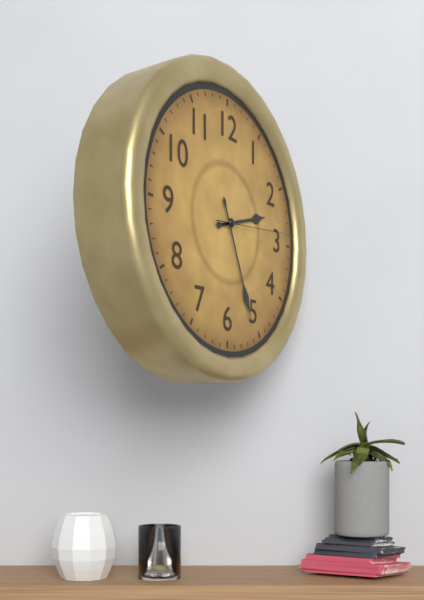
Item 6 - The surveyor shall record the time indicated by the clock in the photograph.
2:26:14
